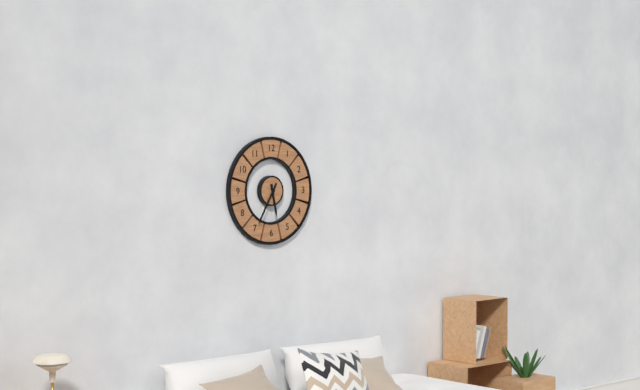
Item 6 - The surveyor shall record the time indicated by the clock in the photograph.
5:35
